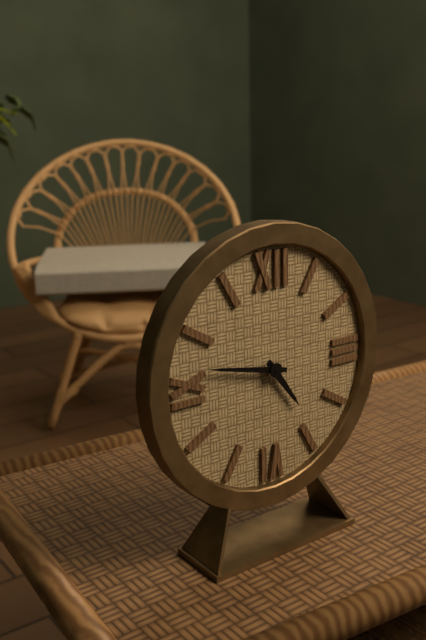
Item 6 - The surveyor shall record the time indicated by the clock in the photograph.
4:47
